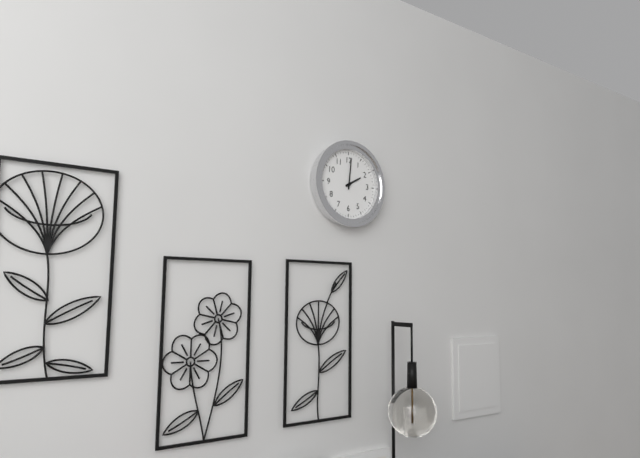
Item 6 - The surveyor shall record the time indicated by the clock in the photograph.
2:01
